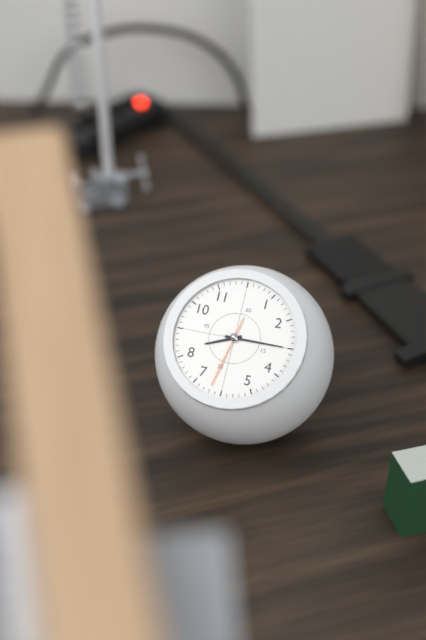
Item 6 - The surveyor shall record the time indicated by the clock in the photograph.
8:15:32
